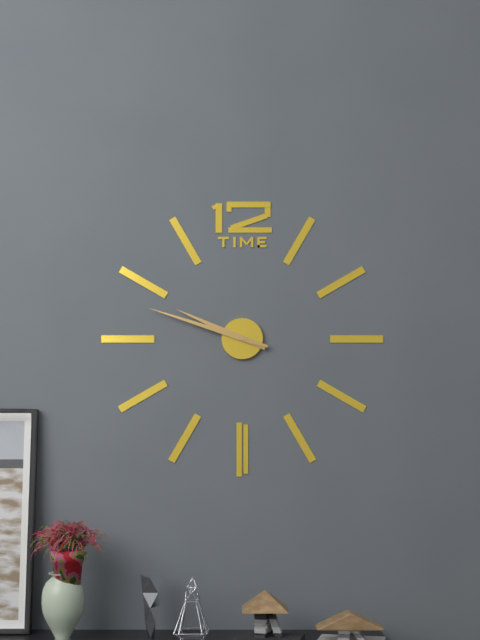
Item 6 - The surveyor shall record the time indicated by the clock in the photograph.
9:48
